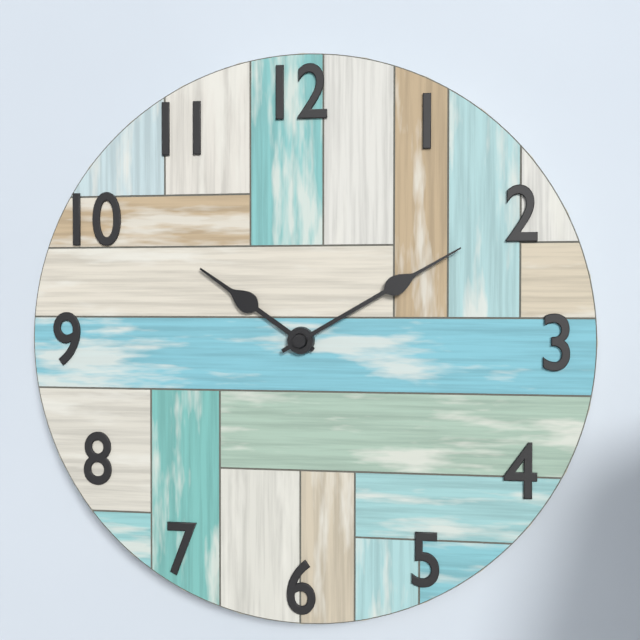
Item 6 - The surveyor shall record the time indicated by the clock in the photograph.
10:10
